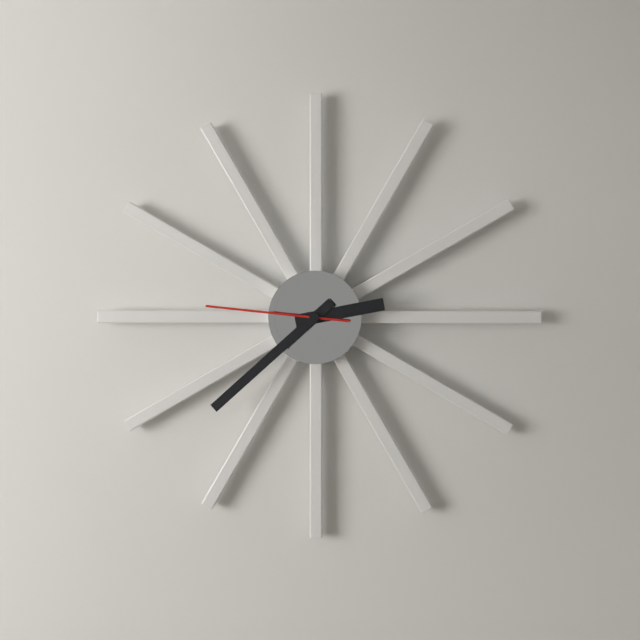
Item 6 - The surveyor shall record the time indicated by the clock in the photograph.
2:38:46
